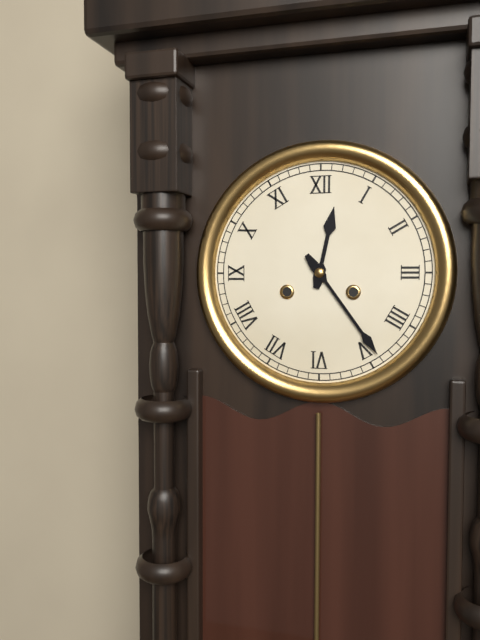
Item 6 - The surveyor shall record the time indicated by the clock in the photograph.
12:24
